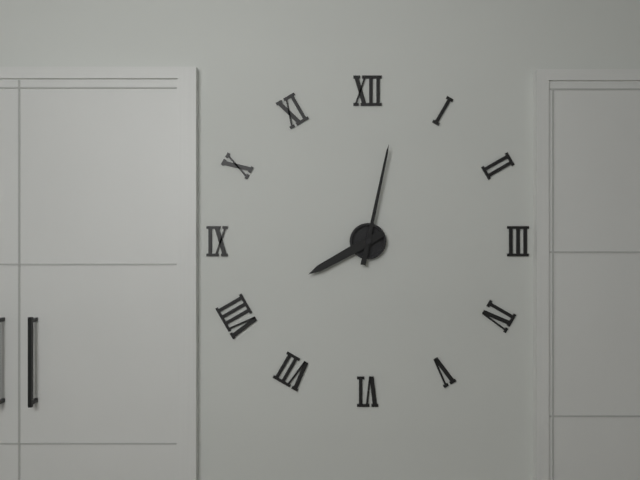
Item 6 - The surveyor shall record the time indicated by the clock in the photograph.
8:02
